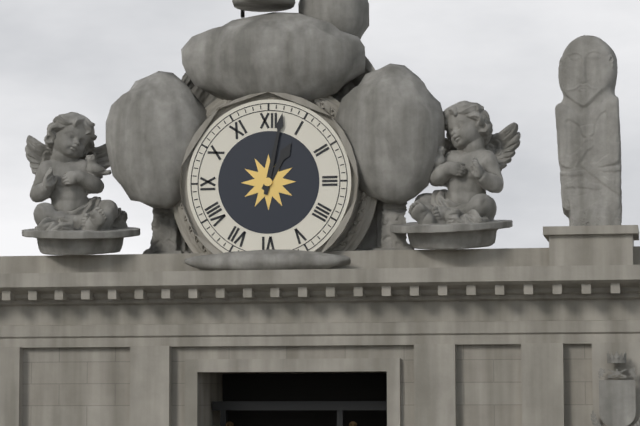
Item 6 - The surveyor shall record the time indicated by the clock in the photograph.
1:02
